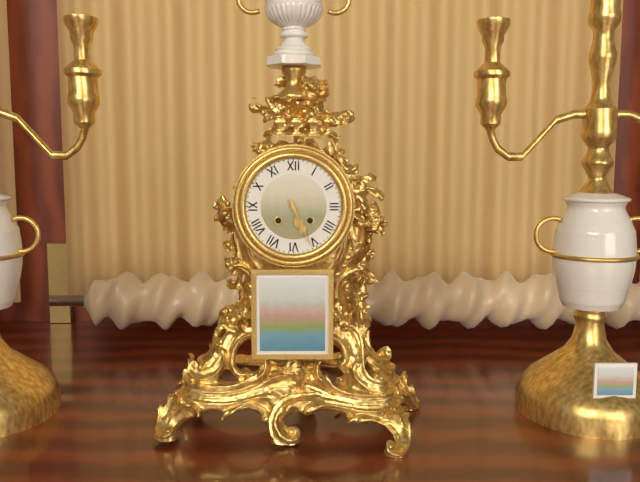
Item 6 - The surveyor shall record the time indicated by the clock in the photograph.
5:26
